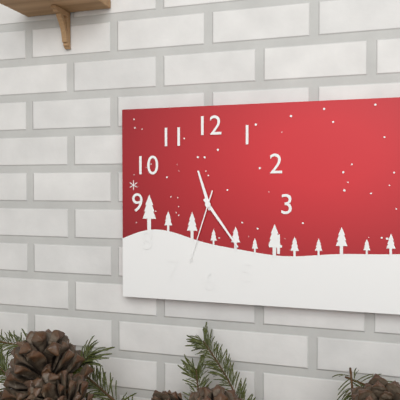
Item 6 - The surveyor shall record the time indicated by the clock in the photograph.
11:24:33
